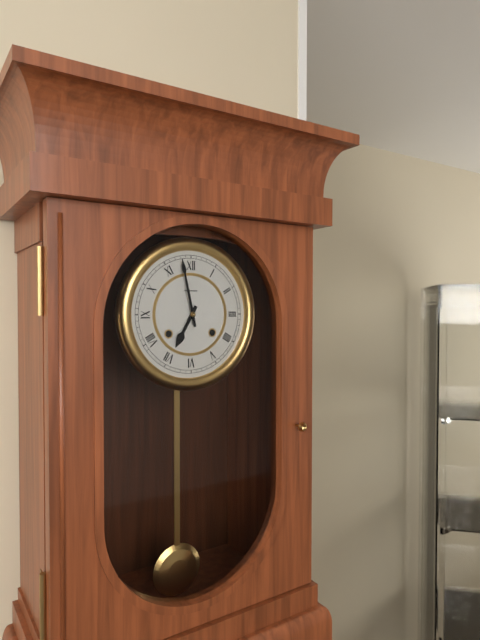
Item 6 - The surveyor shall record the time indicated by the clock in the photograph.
6:58
